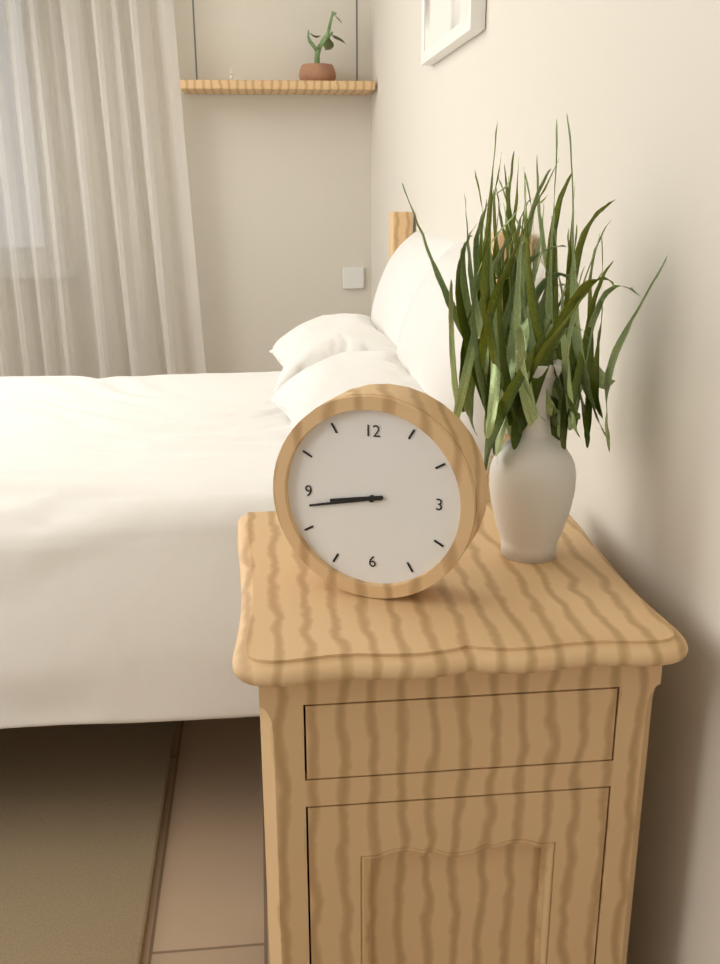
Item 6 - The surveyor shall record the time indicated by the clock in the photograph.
8:43
